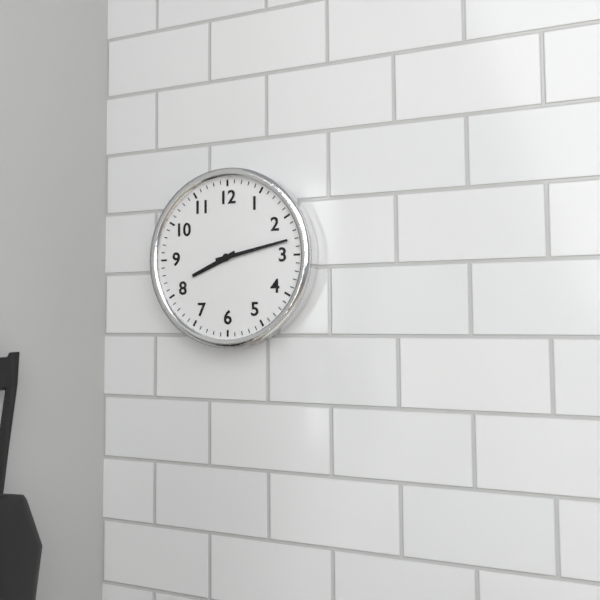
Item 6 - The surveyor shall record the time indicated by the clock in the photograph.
8:13
